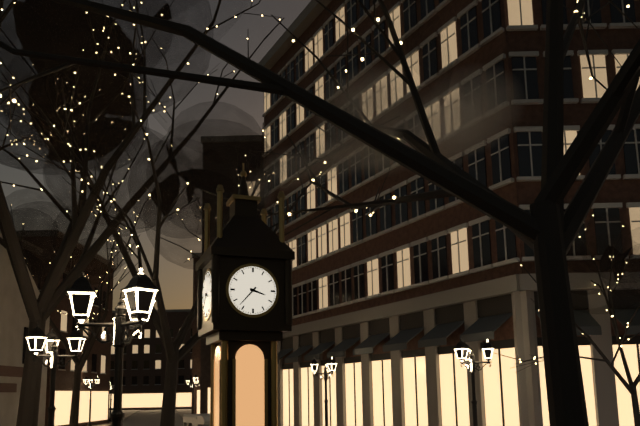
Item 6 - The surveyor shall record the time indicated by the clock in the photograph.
3:37
